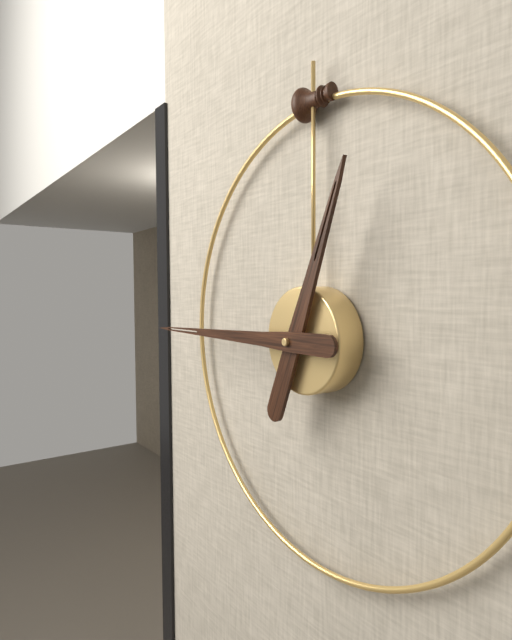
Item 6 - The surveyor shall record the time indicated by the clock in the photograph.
12:45
